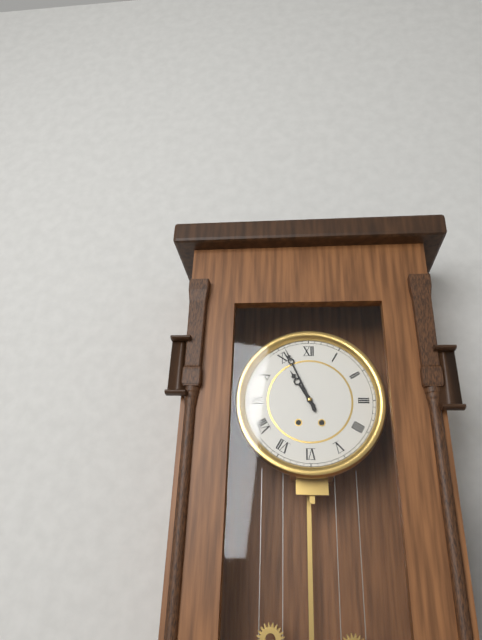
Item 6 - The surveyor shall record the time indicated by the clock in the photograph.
10:56
